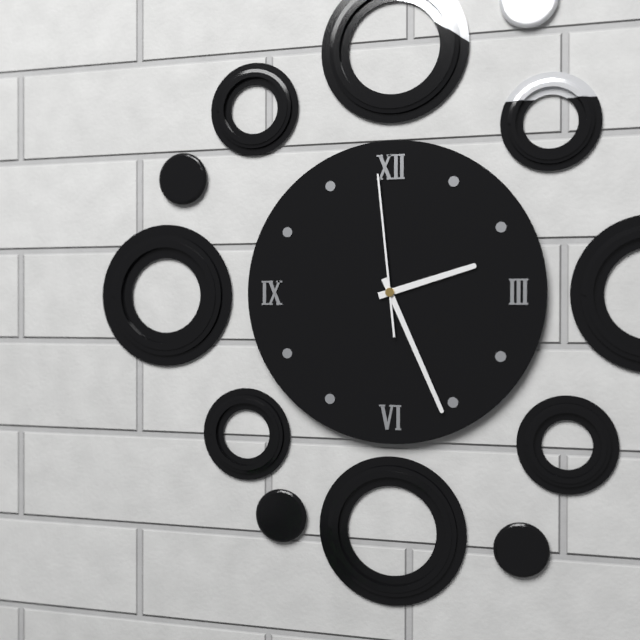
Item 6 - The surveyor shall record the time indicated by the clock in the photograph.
2:26:59
